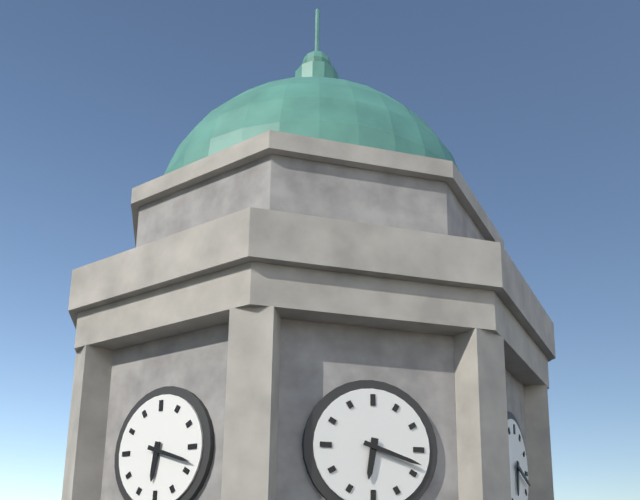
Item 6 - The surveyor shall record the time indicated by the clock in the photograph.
6:18
